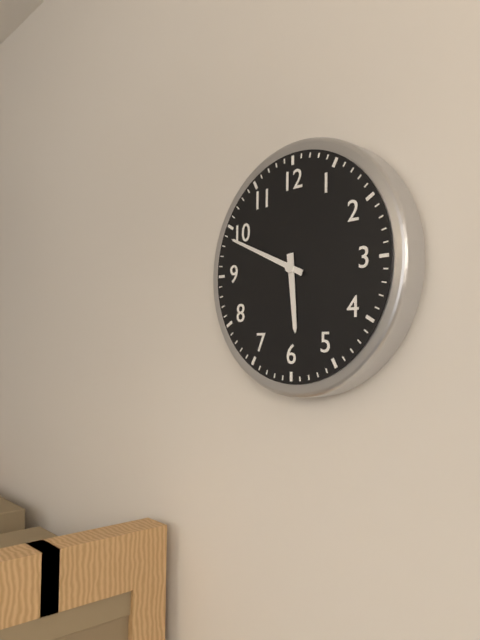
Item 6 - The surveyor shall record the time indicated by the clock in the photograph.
5:49
